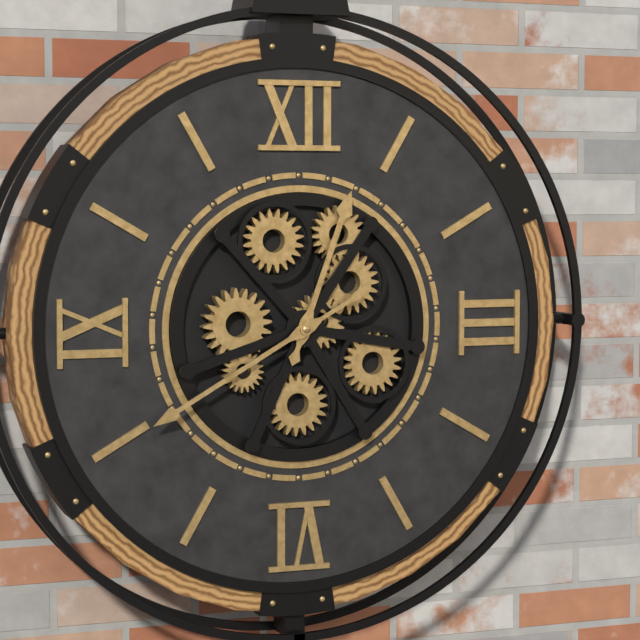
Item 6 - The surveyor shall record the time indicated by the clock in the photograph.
12:40
